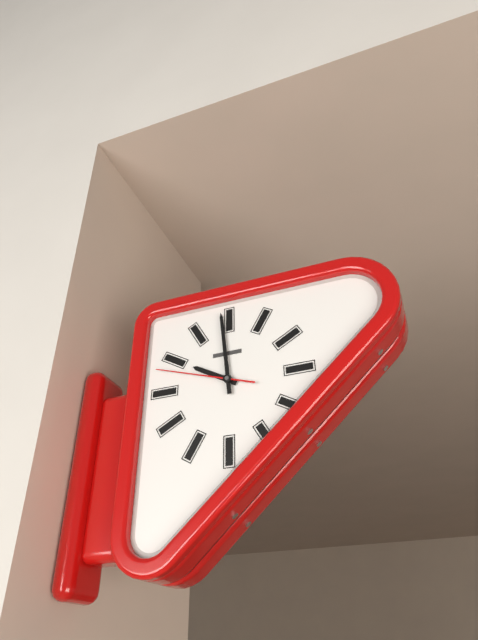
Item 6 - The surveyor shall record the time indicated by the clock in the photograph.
9:59:48
